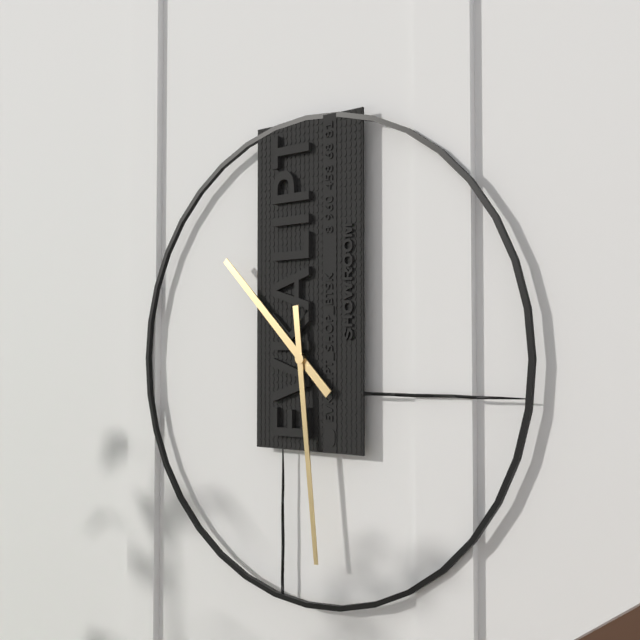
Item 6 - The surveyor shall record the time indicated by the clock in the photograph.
10:29
